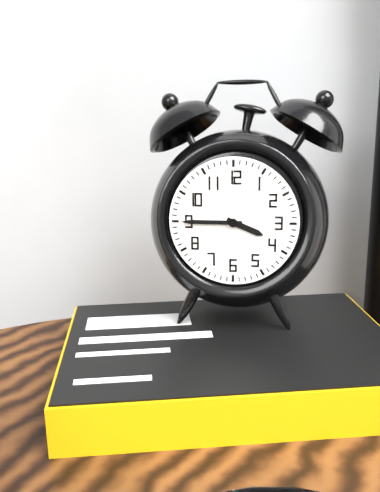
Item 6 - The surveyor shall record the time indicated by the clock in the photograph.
3:45
